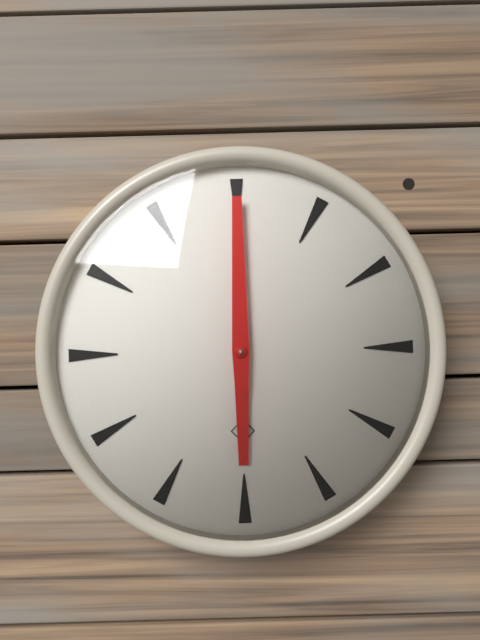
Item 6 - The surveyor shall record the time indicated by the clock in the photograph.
6:00
